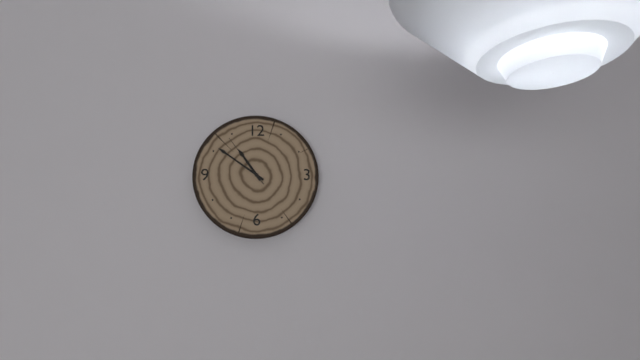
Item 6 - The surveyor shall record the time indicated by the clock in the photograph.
10:51:54
